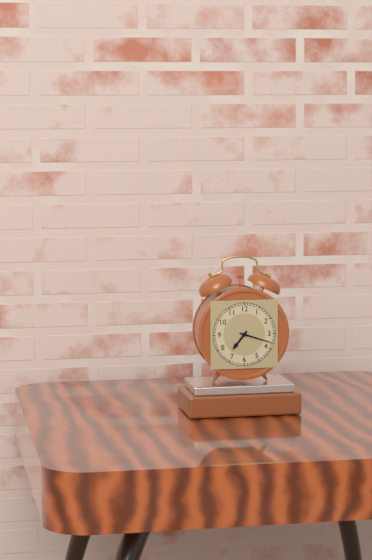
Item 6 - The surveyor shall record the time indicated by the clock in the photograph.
7:18
